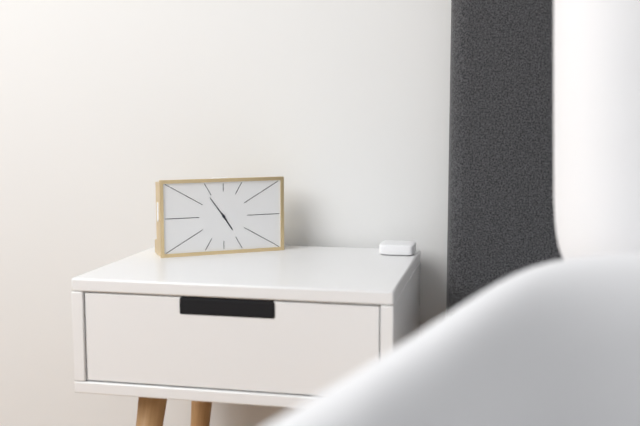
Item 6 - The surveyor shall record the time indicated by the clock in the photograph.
4:54
